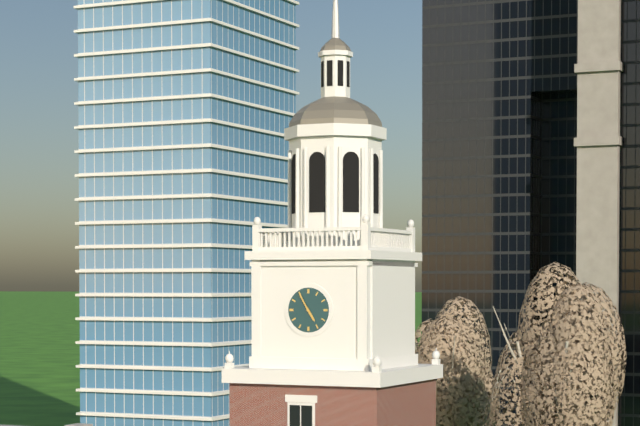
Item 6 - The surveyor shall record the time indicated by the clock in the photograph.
4:55
